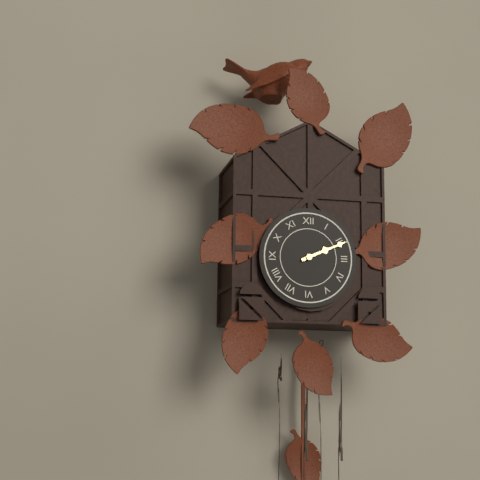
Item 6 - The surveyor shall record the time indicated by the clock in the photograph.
2:11
